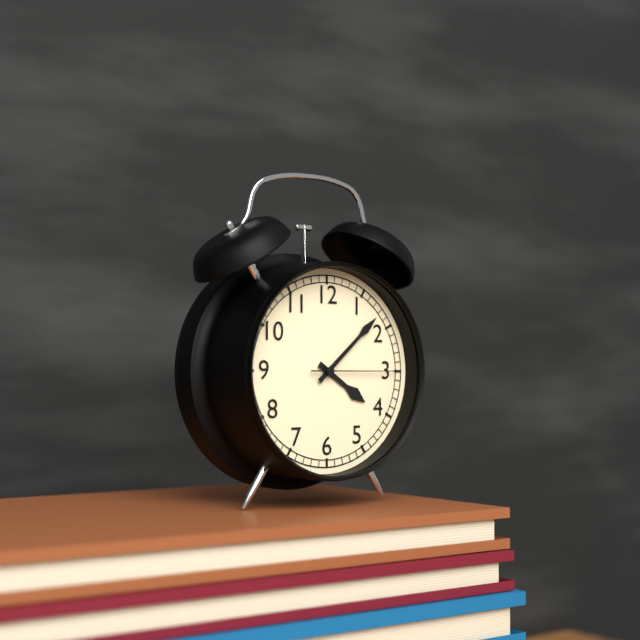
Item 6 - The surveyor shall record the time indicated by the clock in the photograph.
4:08:15
